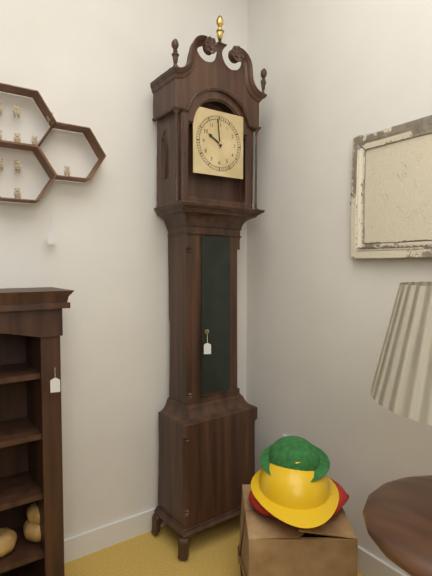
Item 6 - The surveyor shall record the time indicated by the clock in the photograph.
9:59
